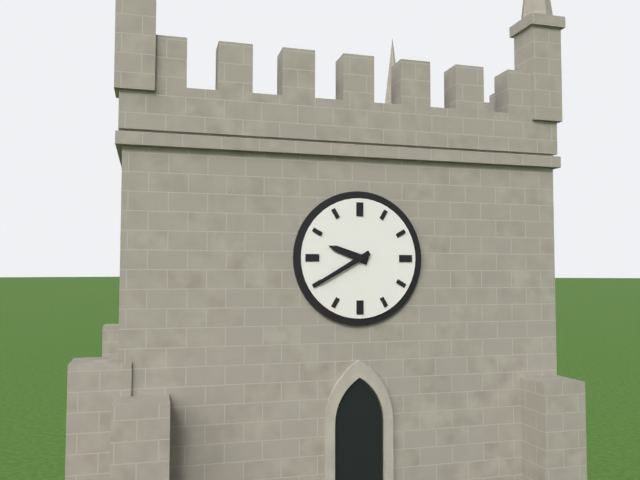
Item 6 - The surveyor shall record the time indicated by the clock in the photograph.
9:40
